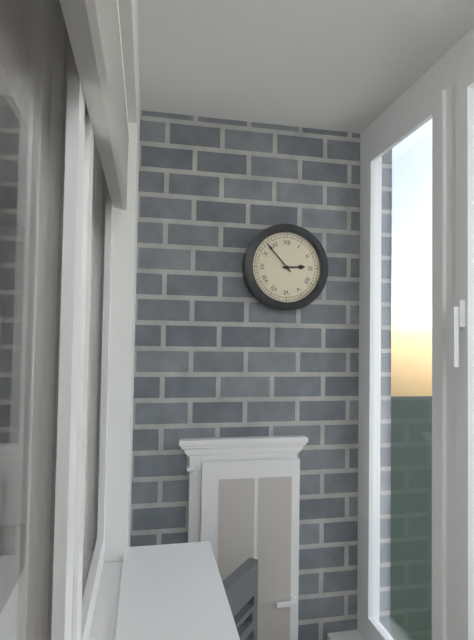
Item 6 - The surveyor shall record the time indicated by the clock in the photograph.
2:53
